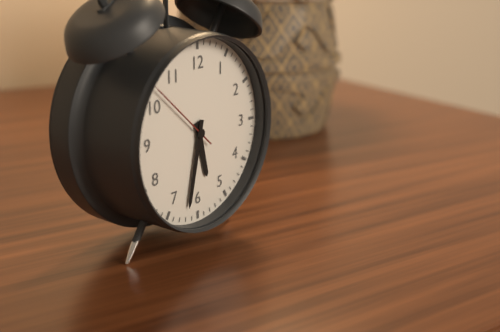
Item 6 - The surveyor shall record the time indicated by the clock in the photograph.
5:32:52
